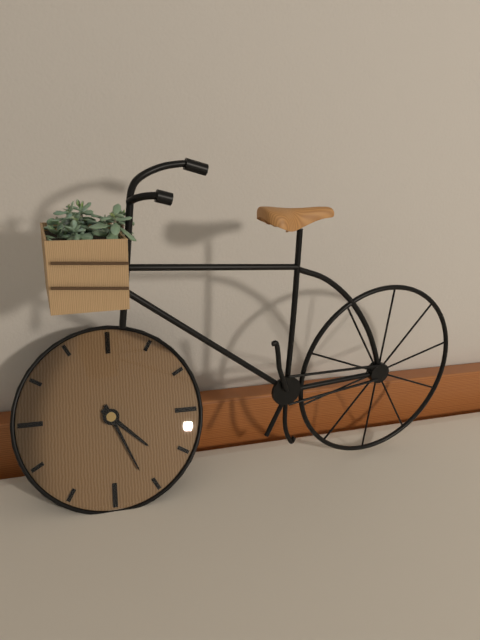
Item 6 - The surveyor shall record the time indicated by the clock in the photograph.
4:26
